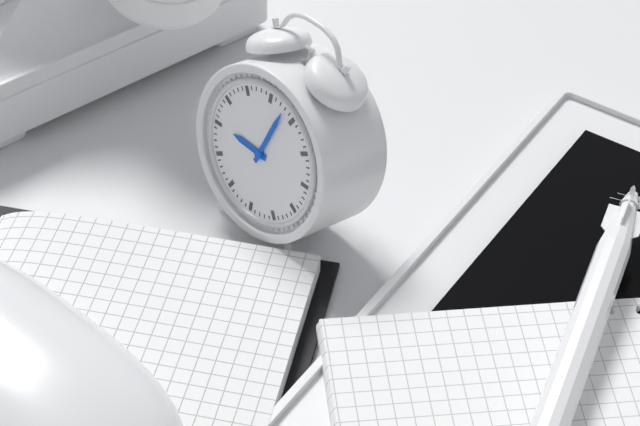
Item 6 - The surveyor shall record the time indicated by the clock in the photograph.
9:03
